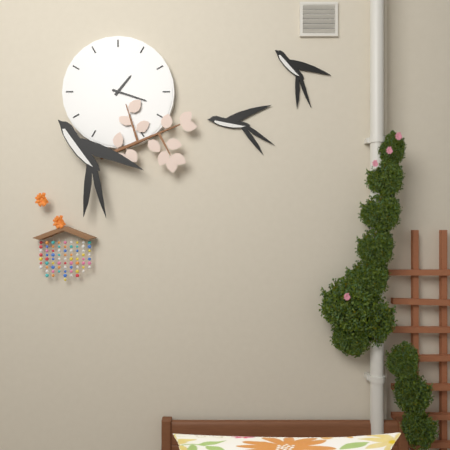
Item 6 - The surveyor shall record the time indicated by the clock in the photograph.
1:18
